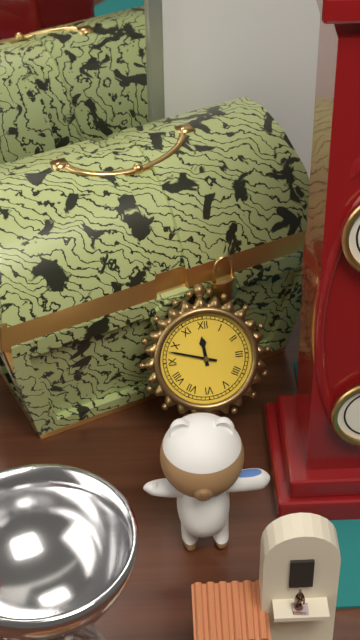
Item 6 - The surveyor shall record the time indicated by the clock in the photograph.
11:48
